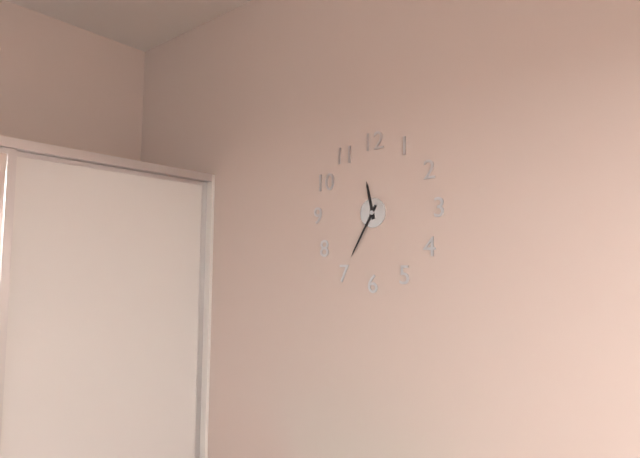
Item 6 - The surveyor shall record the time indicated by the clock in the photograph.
11:35
